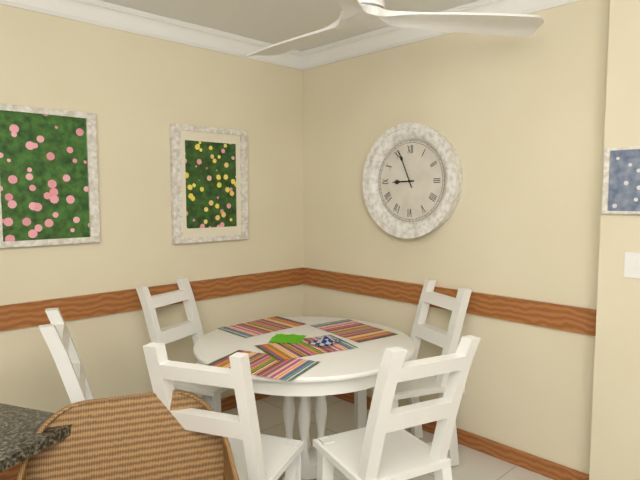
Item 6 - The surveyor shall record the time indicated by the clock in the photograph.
8:56
